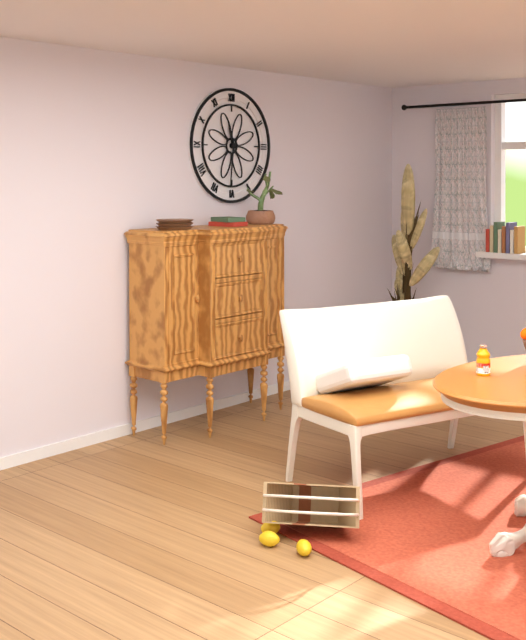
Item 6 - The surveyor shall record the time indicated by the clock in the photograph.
11:31
